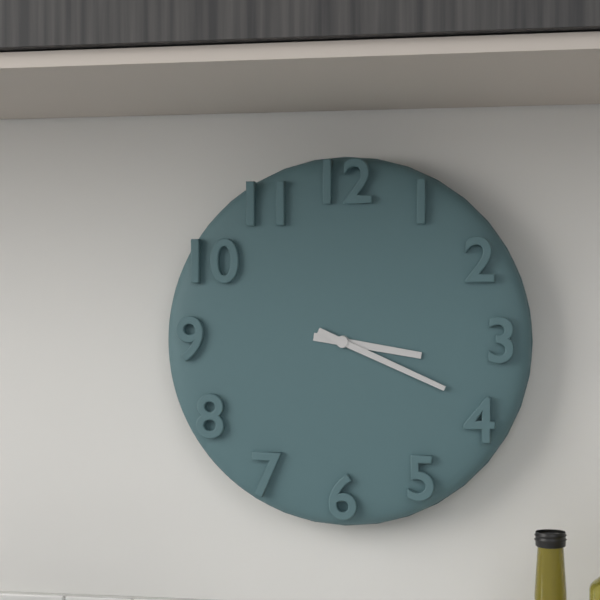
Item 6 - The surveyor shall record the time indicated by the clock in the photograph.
3:19
